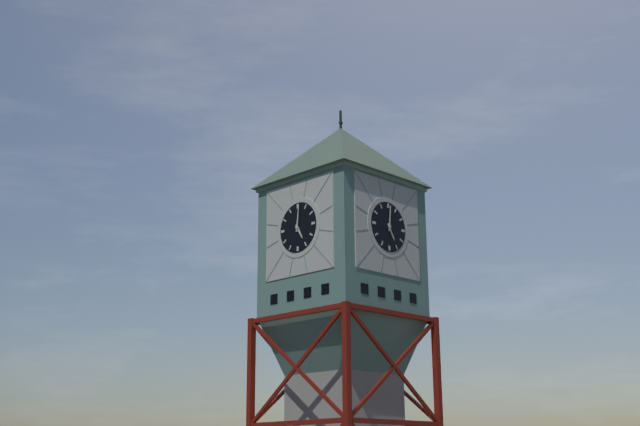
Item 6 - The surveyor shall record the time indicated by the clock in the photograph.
5:01
